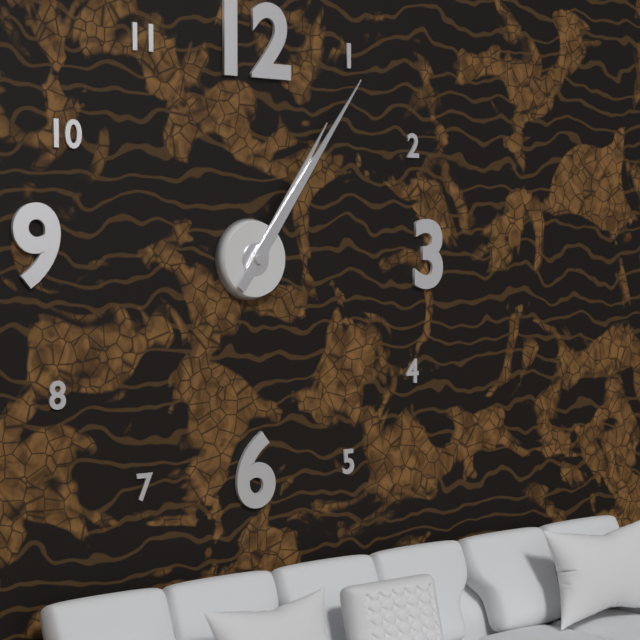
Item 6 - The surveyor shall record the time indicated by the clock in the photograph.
1:06
